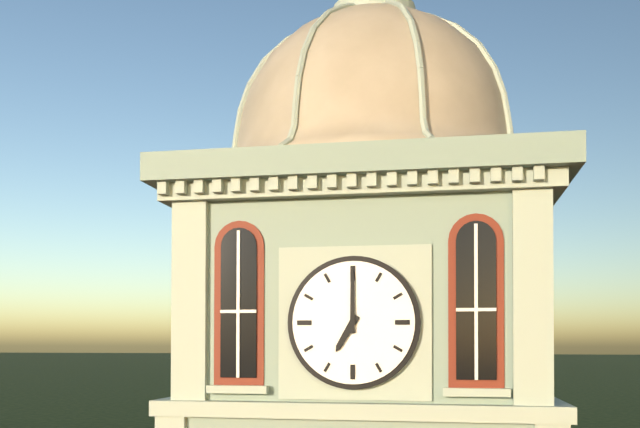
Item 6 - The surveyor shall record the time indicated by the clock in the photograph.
7:00
